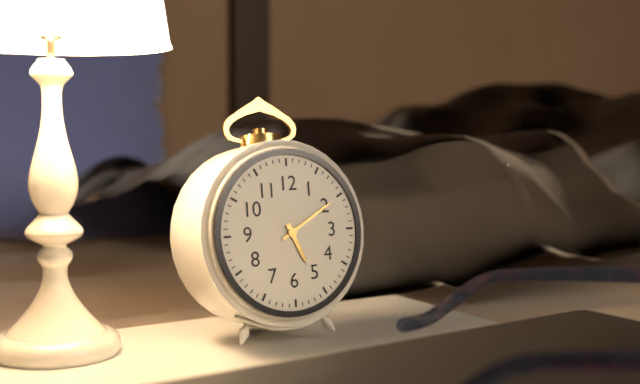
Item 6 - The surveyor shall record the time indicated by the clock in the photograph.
5:10
